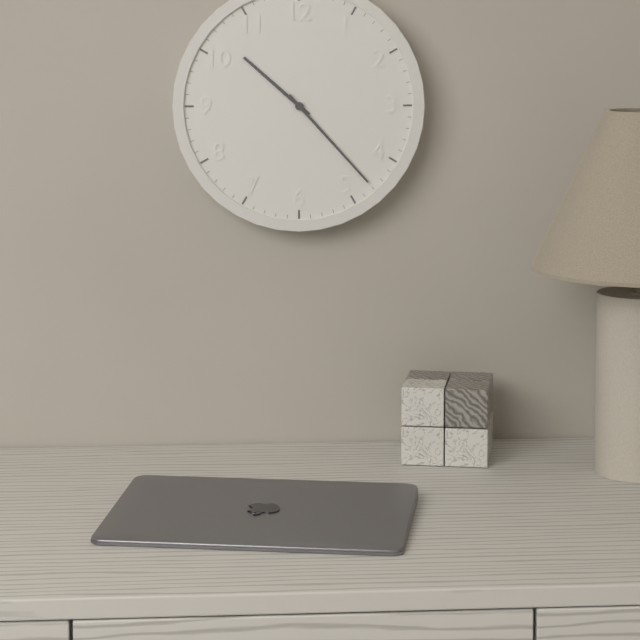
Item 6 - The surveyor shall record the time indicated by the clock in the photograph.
10:23
